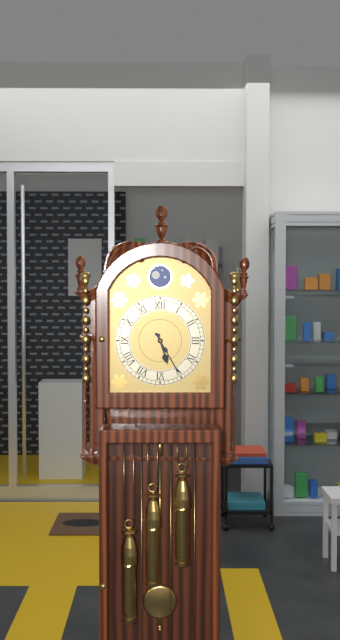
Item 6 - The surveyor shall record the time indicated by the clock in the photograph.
5:25
